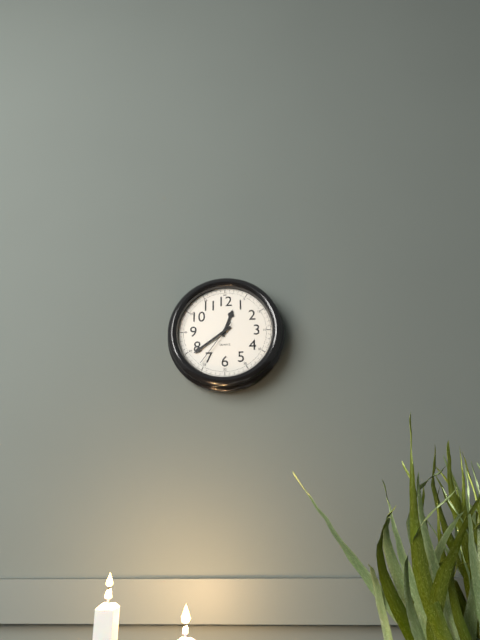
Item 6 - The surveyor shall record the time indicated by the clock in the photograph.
12:39:36
